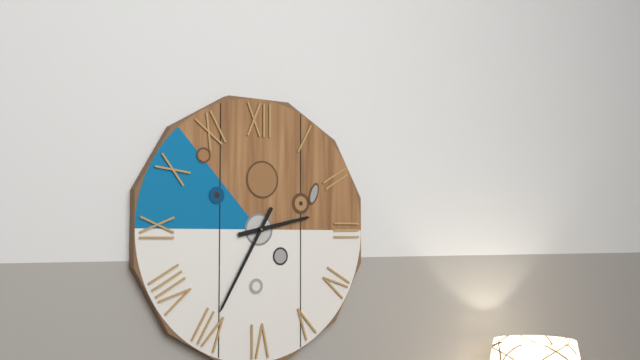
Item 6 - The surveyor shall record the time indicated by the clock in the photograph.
2:35
